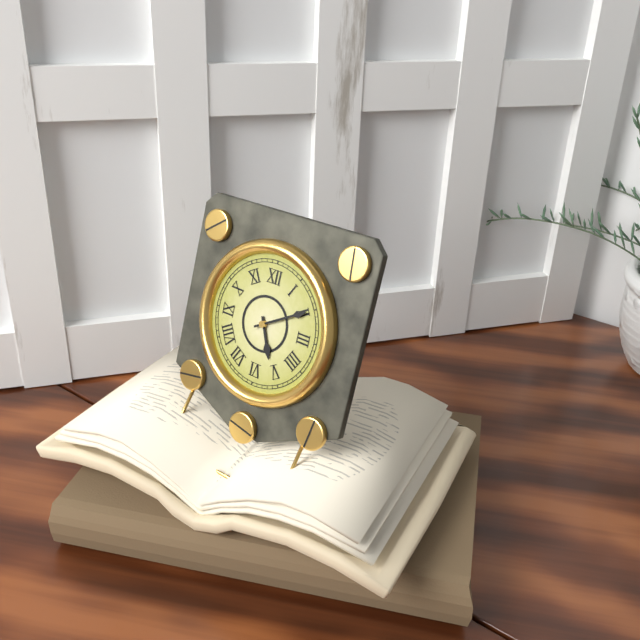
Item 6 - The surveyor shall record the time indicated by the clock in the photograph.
5:10
